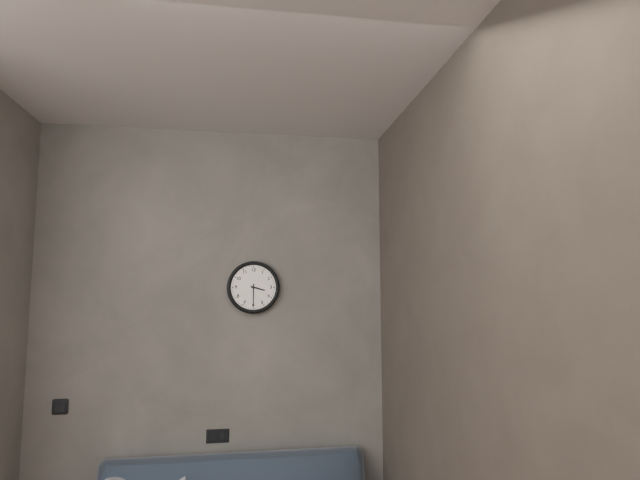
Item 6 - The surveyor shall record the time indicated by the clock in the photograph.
3:30
